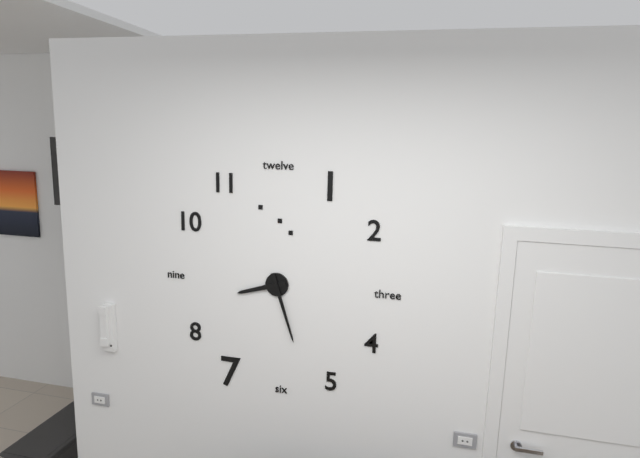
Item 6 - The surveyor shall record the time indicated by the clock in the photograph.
8:27
